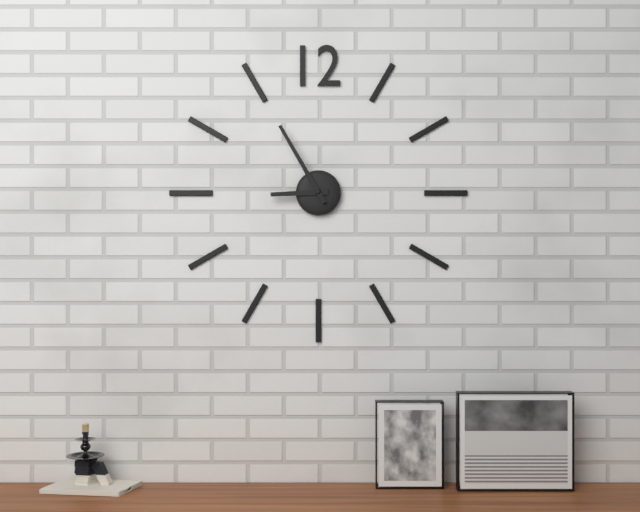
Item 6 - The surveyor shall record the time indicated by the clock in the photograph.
8:55
